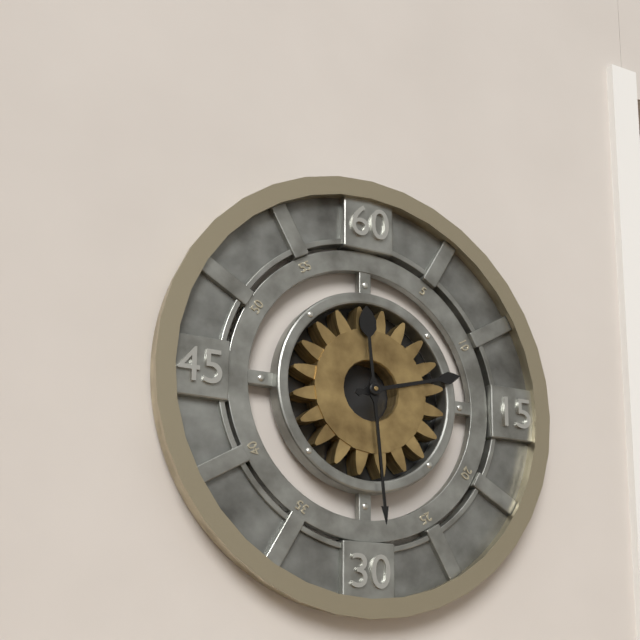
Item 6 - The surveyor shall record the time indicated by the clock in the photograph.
2:29
